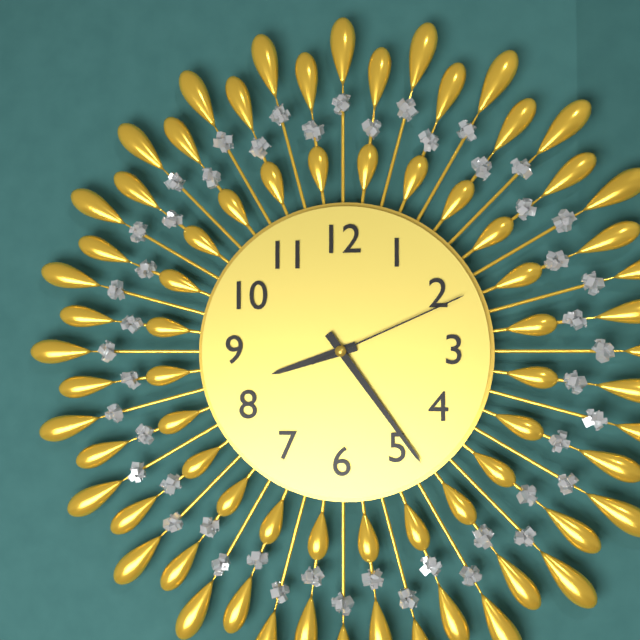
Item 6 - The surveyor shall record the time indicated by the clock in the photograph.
8:24:11
